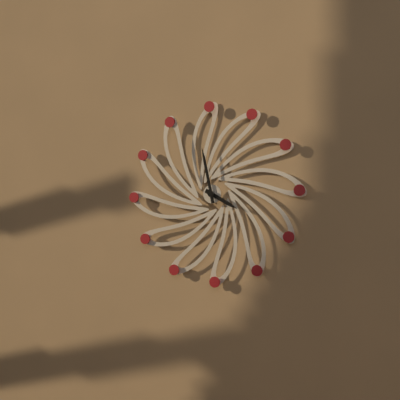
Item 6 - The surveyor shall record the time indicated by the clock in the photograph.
3:58
